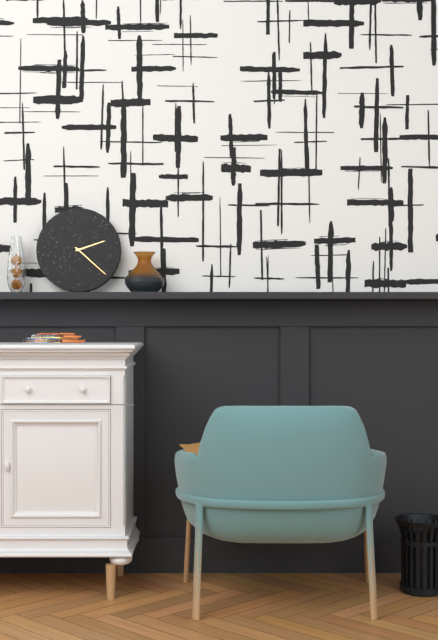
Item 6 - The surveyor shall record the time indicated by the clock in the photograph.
2:22
